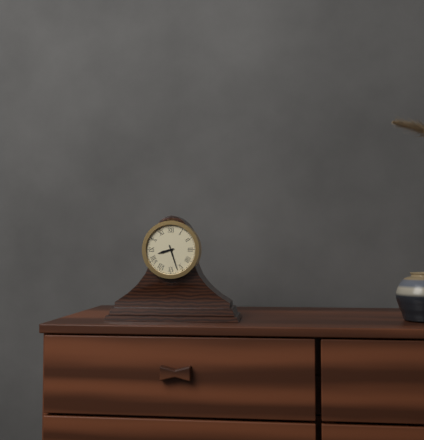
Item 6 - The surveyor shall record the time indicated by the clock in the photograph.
8:27
